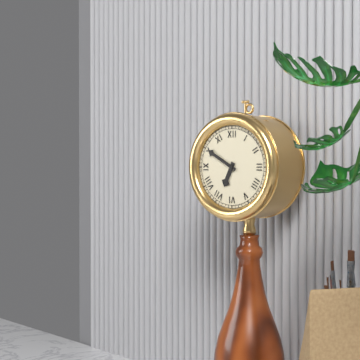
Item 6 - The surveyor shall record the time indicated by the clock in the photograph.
6:50
